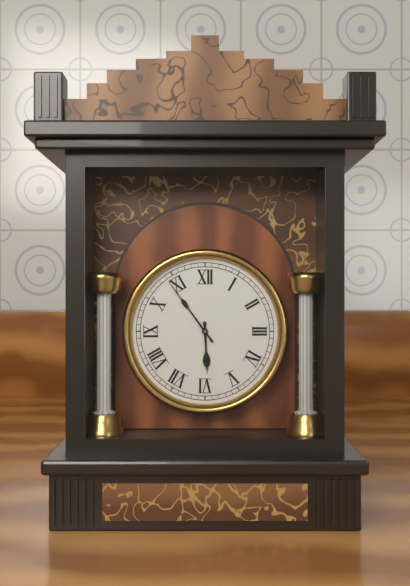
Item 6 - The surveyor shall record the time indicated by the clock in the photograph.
5:54
